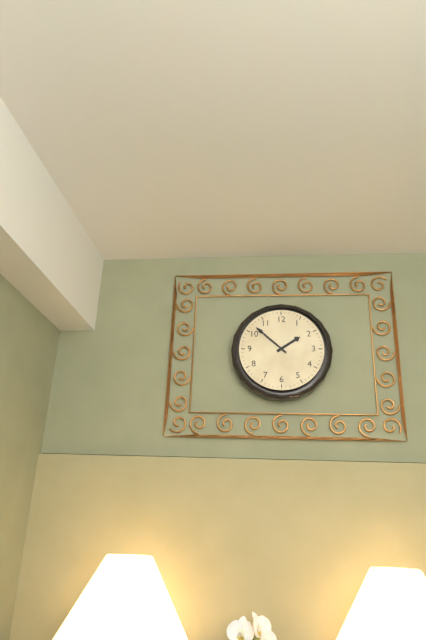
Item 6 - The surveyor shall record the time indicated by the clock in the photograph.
1:52
